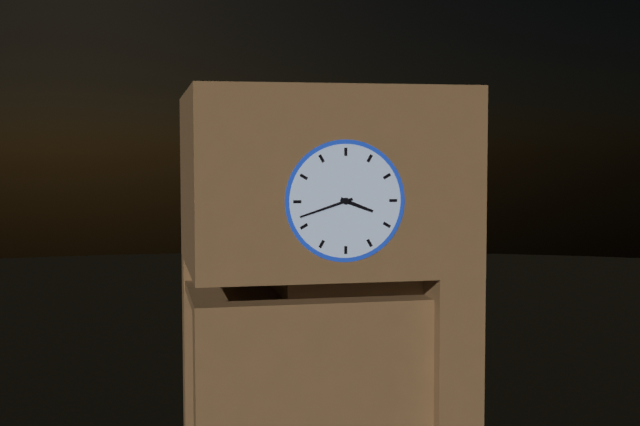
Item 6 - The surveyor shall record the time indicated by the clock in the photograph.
3:42
